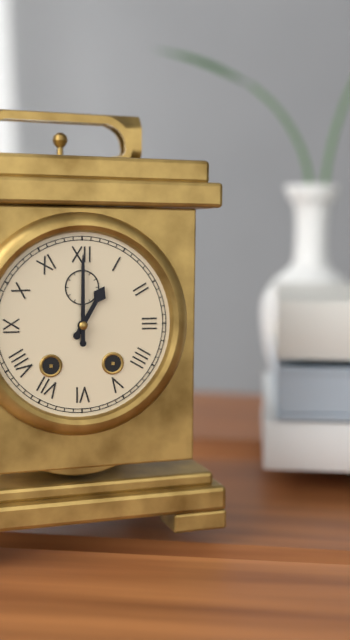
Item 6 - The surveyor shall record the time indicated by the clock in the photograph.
1:00
